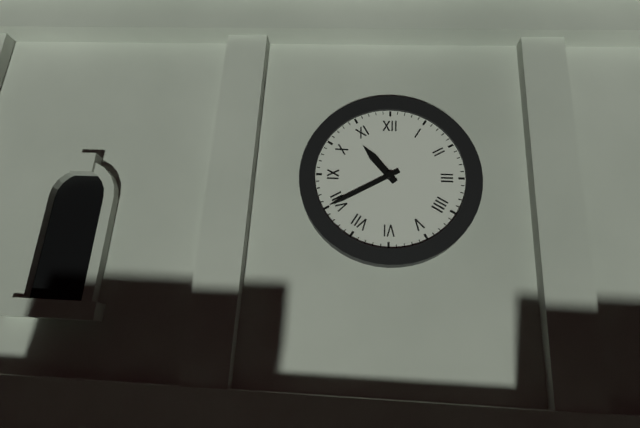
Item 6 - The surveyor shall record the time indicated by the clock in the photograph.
10:40
